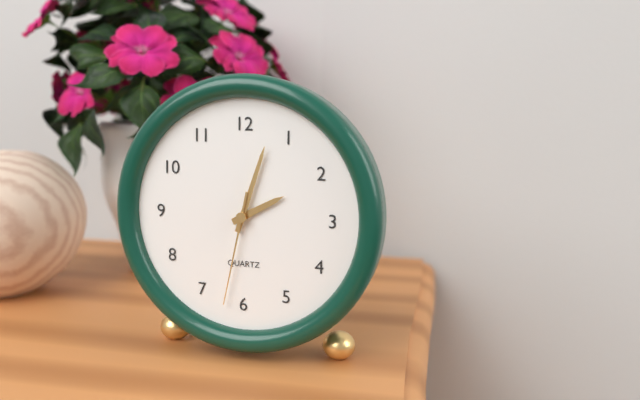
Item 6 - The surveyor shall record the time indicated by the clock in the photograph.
2:03:32
